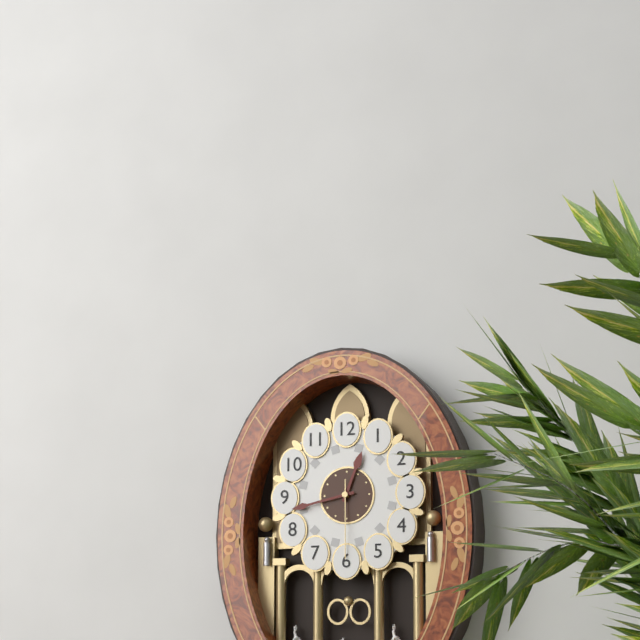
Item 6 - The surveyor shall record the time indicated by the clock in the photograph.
12:43:30
